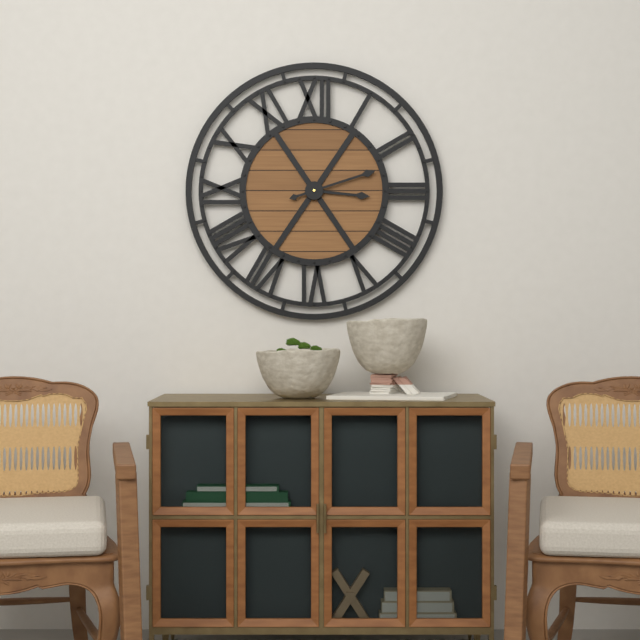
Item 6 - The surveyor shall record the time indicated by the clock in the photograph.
3:12
